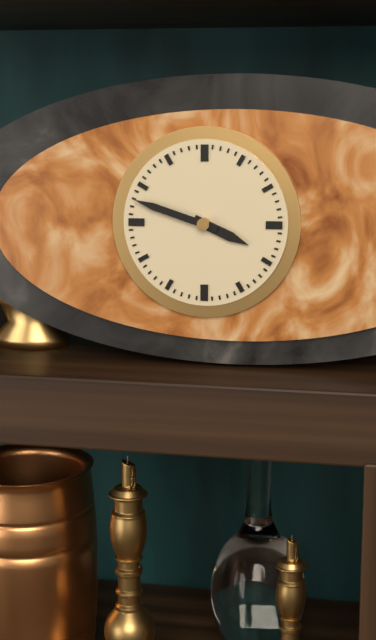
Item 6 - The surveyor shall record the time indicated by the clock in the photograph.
3:48
